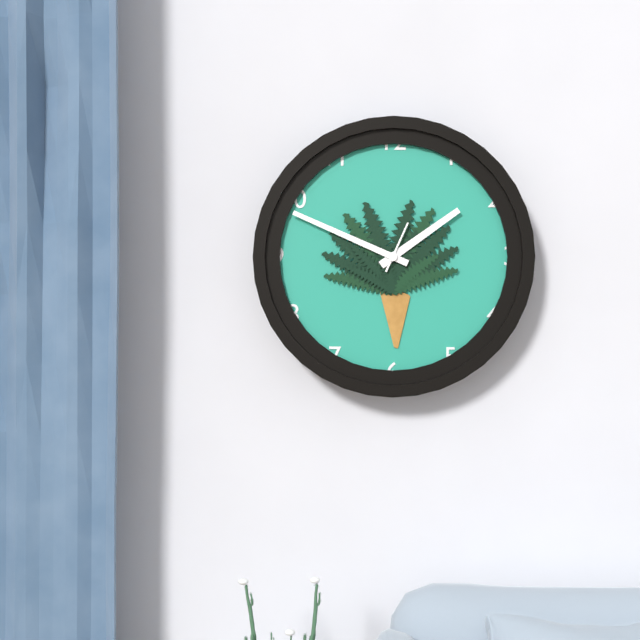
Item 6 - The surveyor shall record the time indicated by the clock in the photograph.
1:49
